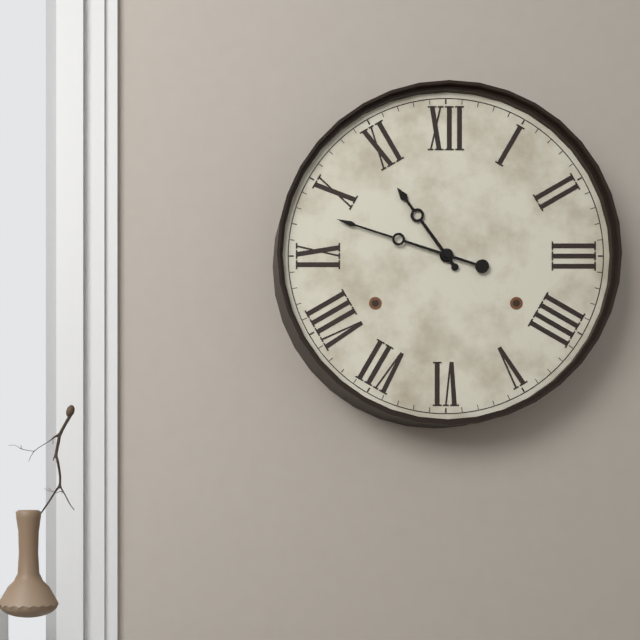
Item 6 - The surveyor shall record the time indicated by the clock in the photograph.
10:48
